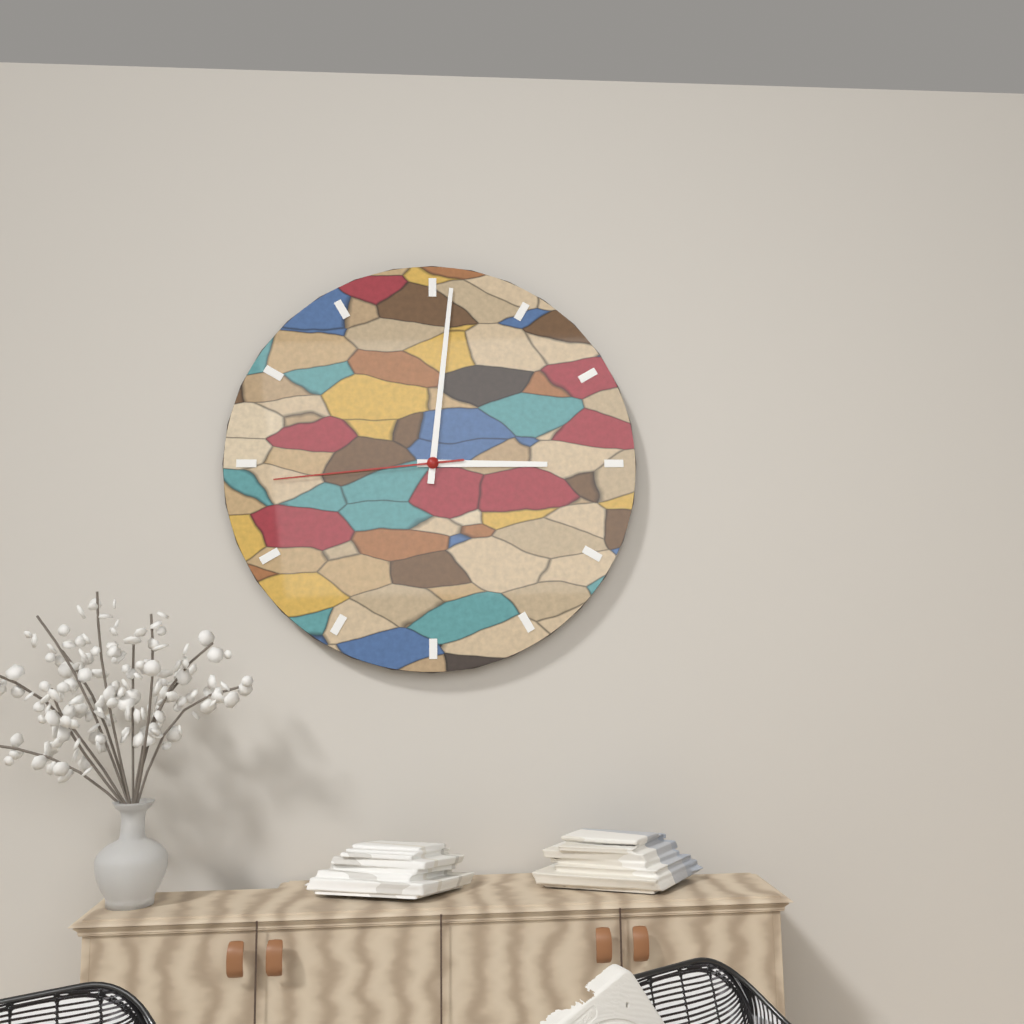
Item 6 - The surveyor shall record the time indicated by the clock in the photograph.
3:01:44
